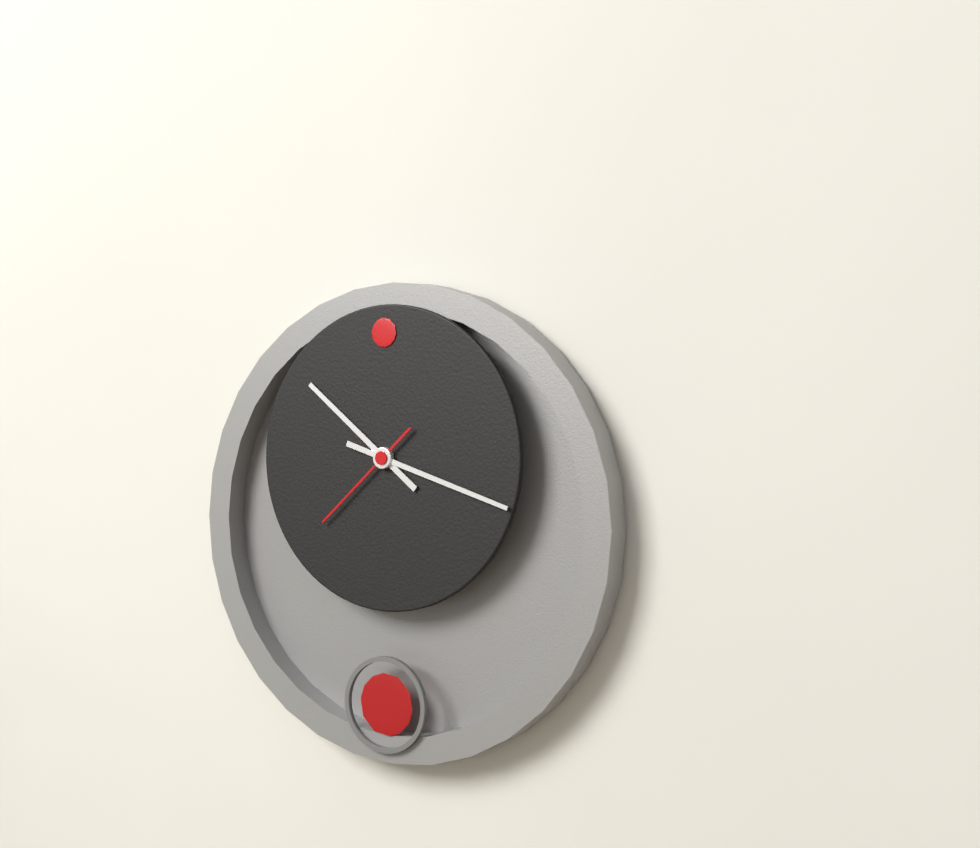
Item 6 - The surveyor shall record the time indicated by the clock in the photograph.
10:18:38
